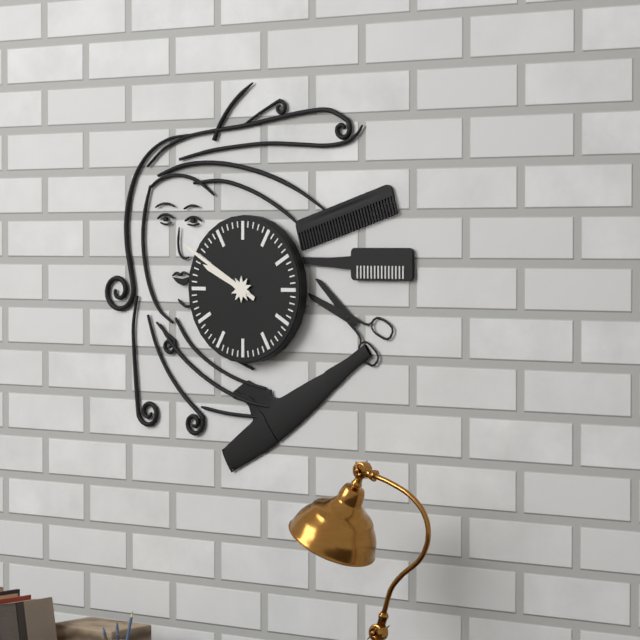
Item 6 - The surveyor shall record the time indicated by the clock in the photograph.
9:50
